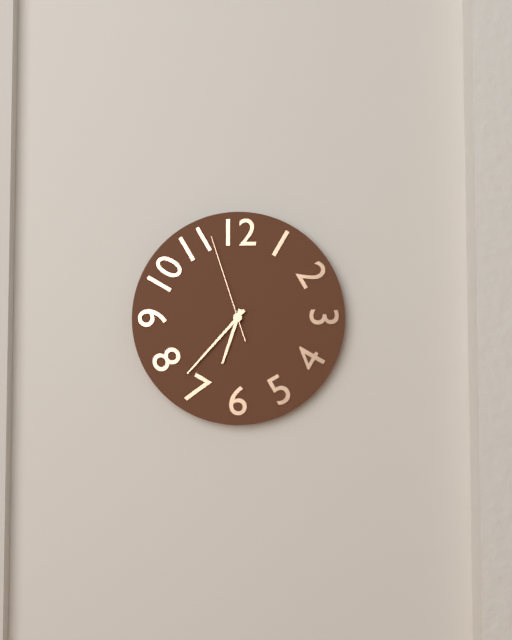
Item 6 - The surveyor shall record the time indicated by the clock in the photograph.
6:37:57
